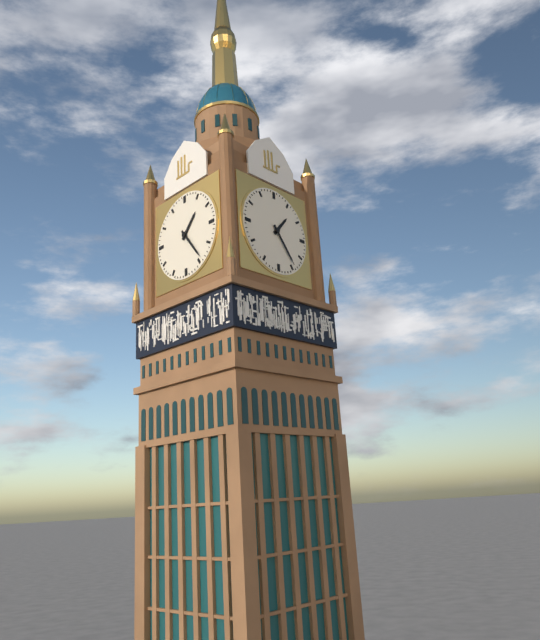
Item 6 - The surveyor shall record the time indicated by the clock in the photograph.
1:24
